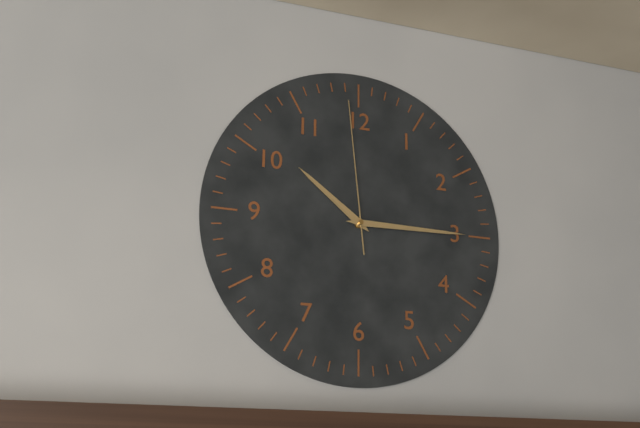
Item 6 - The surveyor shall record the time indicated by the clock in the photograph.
10:15:59
